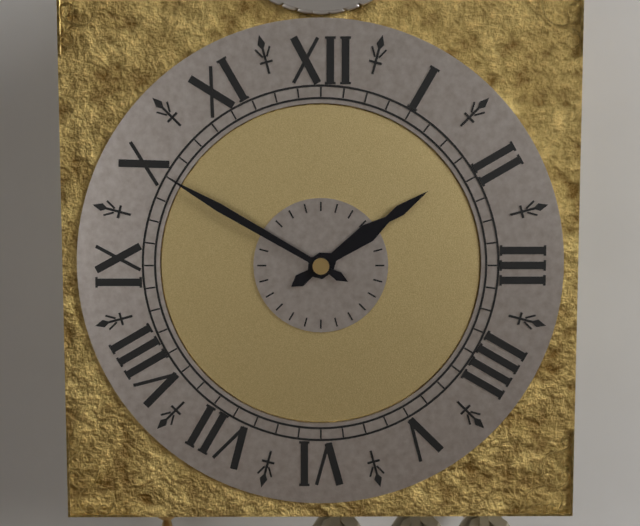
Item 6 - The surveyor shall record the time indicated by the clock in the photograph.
1:50
